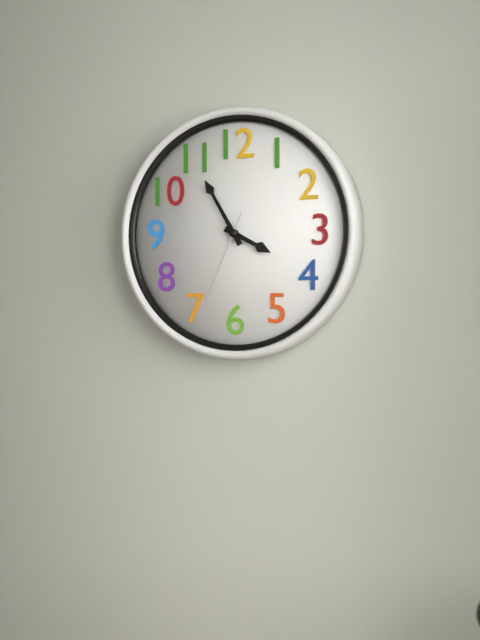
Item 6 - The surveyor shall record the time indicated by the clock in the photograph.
3:55:34
